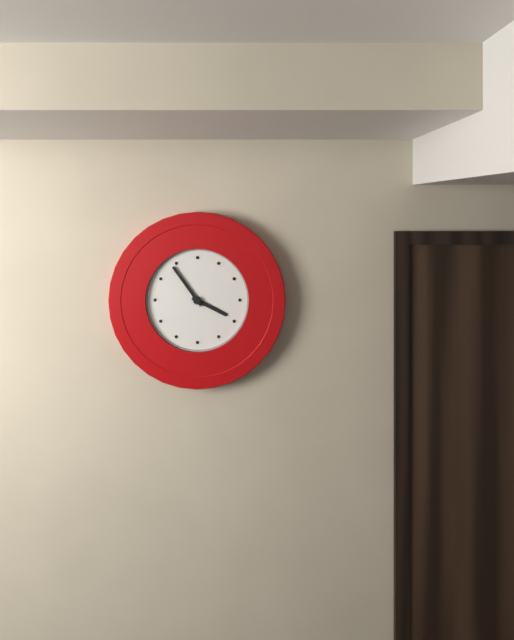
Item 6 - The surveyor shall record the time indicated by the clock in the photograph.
3:54
